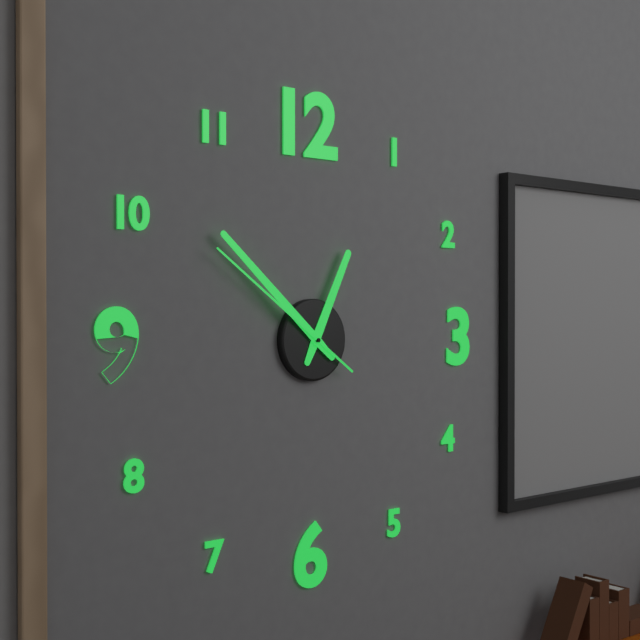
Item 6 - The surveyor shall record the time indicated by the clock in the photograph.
12:52:51
